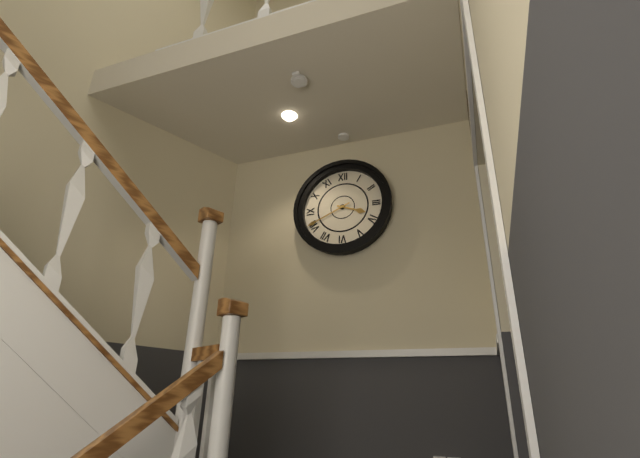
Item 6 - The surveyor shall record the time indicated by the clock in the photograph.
3:41
